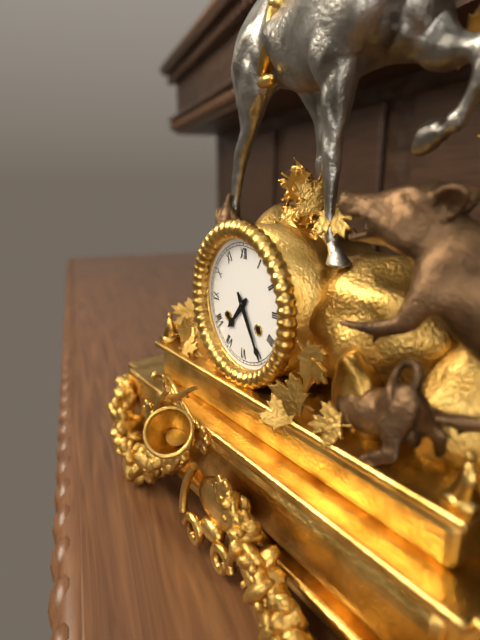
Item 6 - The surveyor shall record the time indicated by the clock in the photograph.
7:25
